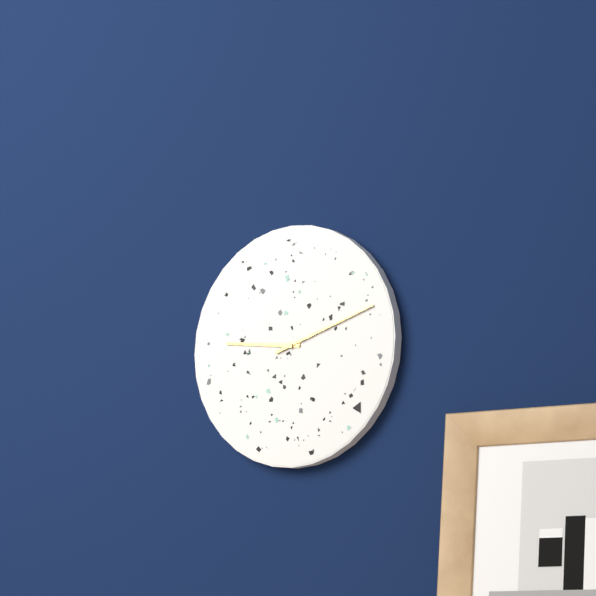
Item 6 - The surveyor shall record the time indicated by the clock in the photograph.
9:12
